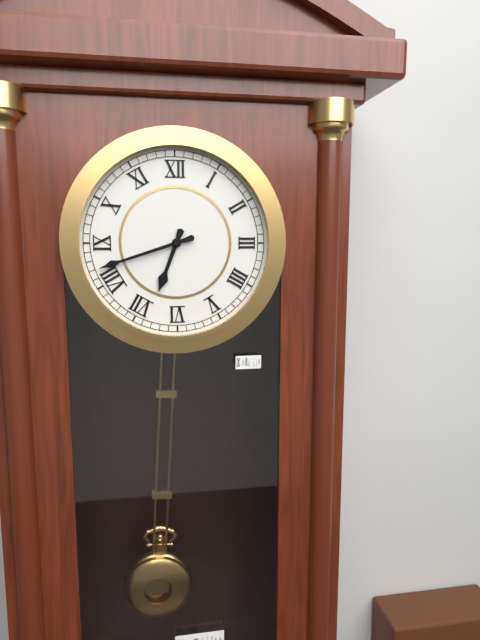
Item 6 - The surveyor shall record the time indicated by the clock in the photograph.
6:42
